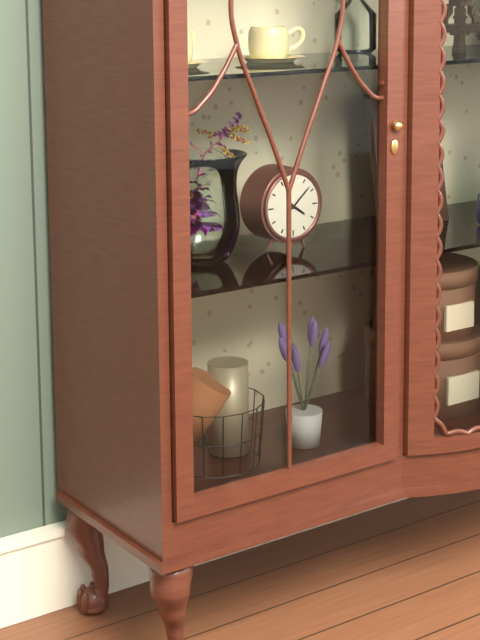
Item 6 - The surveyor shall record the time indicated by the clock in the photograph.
4:08
